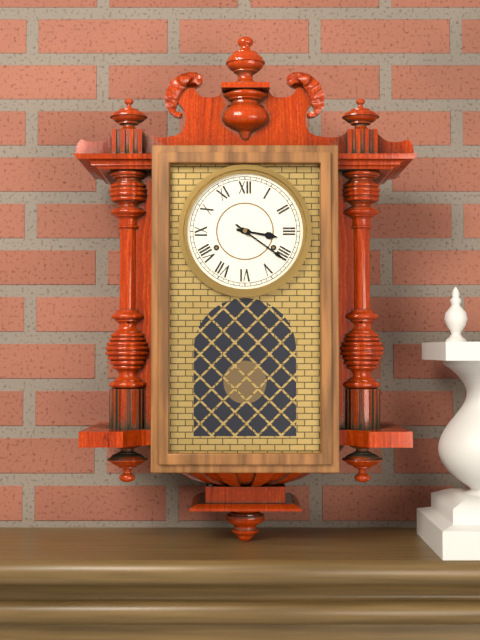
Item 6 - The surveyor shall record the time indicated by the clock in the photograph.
3:21
